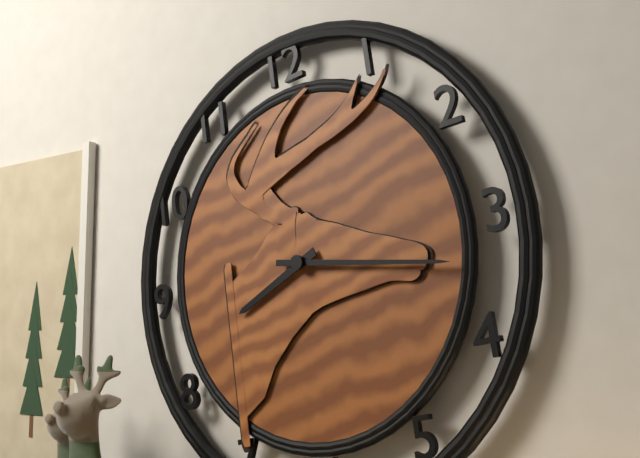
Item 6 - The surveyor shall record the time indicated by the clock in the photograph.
8:17
